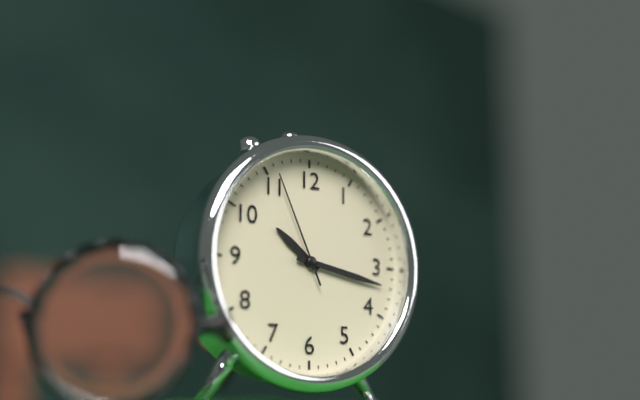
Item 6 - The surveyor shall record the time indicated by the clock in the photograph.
10:17:56
